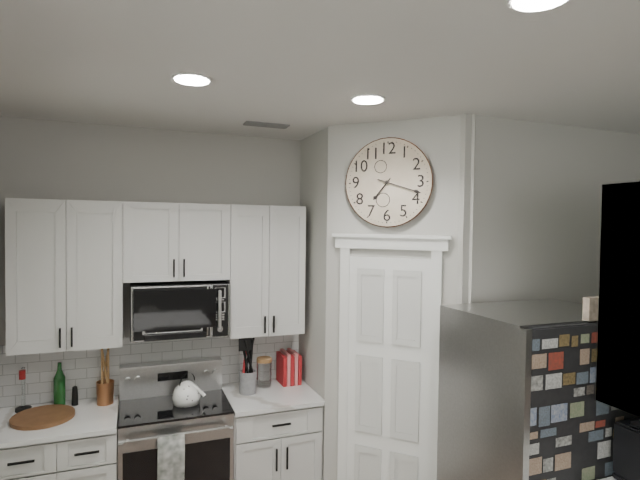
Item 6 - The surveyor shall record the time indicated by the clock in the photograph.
7:18
